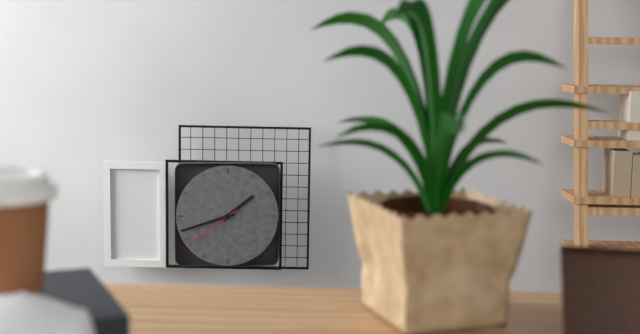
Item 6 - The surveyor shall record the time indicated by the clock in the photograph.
1:42:39
